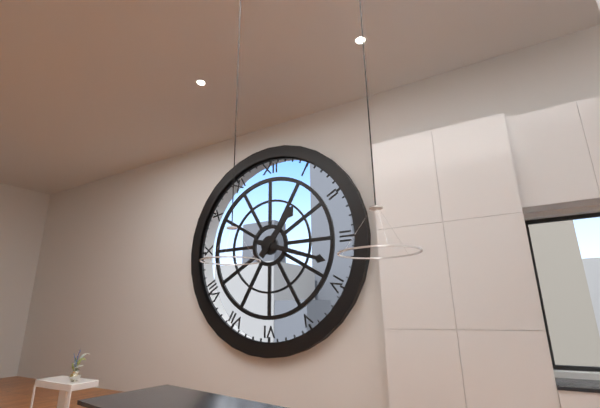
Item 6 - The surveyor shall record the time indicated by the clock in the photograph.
1:18
